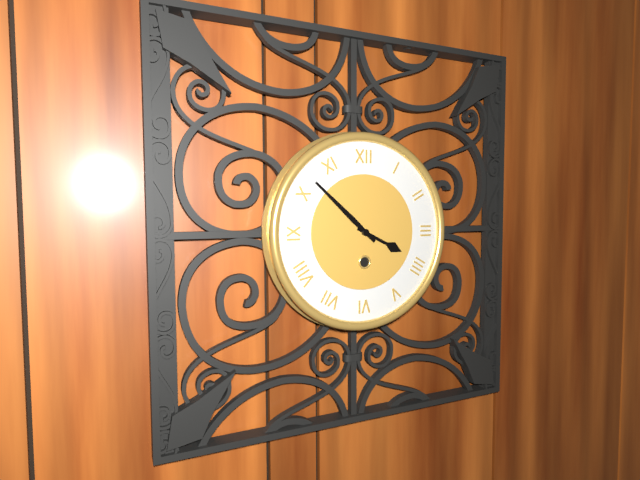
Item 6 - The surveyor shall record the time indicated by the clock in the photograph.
3:52
